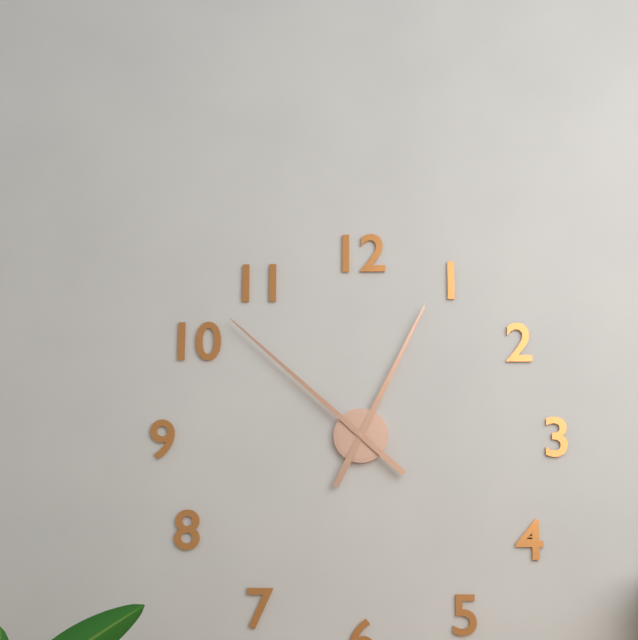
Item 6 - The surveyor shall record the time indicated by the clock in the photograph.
12:52
